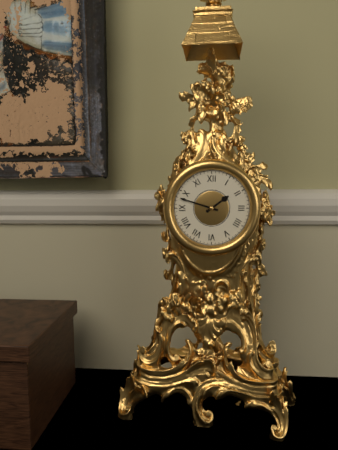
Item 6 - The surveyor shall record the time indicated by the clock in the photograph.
1:48
